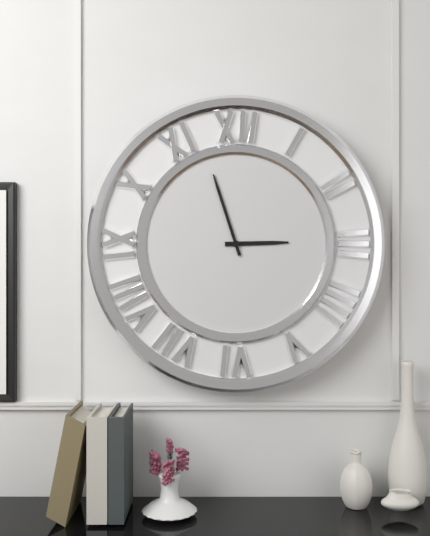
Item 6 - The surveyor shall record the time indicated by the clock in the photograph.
2:57
